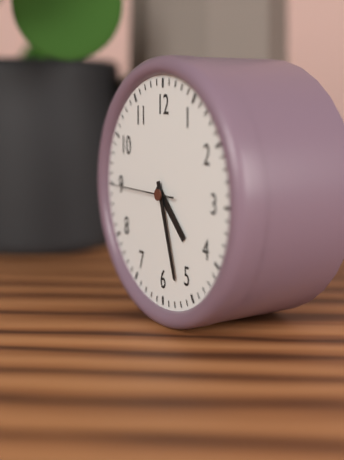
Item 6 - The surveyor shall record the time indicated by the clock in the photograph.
4:27:45
